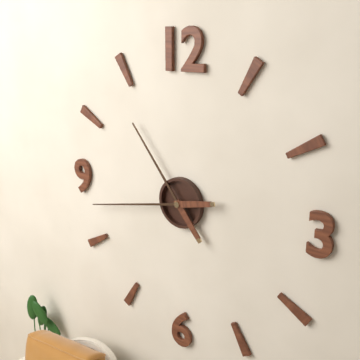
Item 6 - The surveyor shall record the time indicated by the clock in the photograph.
10:43
